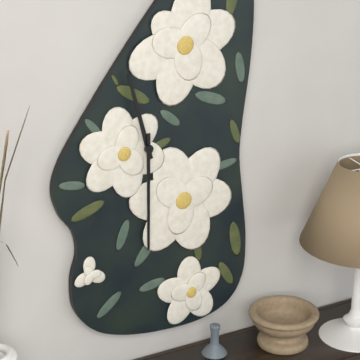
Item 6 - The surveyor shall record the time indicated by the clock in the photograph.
11:30
